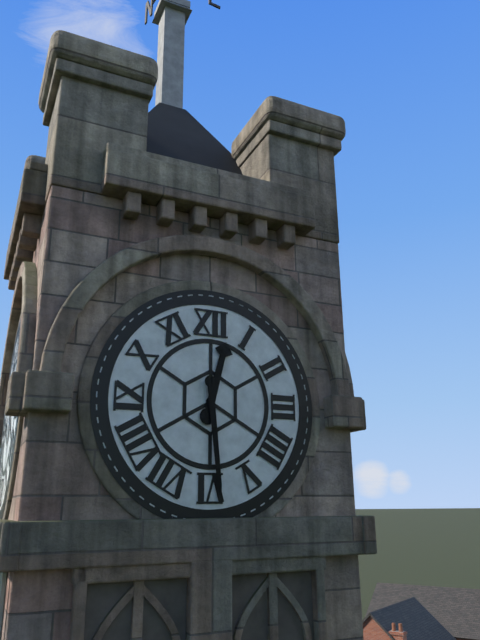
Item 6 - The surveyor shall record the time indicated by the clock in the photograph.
12:29
